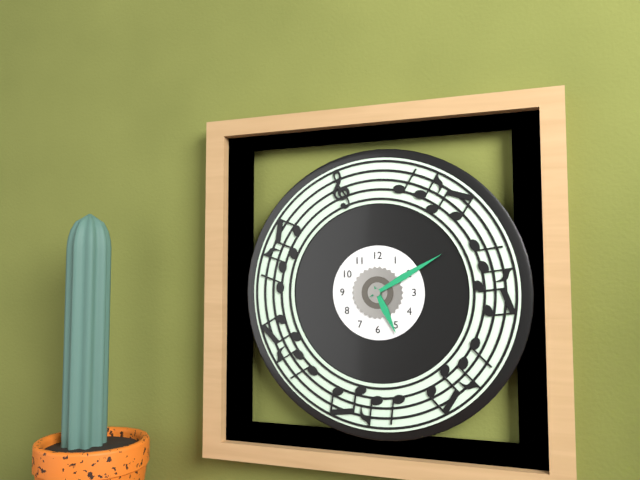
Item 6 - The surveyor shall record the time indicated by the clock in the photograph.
5:10
